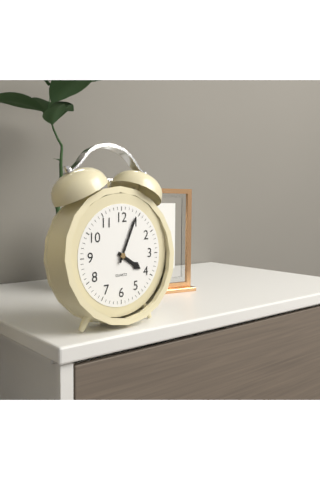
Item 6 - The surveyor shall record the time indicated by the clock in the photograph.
4:04
